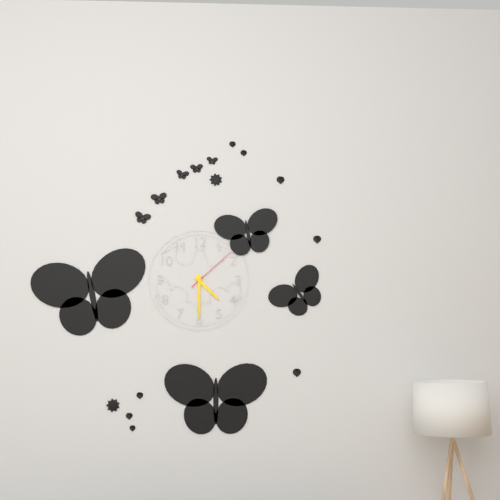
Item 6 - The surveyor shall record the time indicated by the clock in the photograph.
4:30:08
